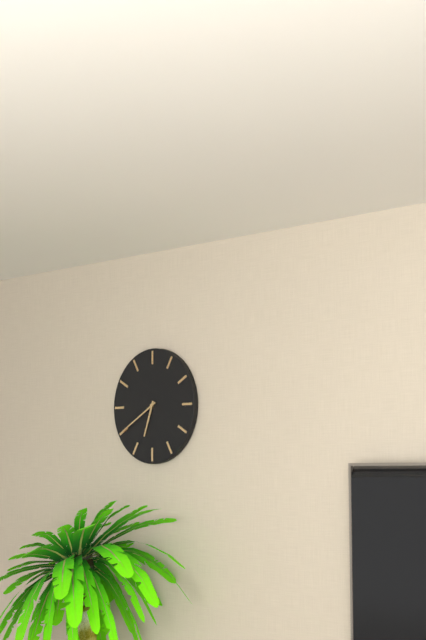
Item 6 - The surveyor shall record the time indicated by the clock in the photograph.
6:40
